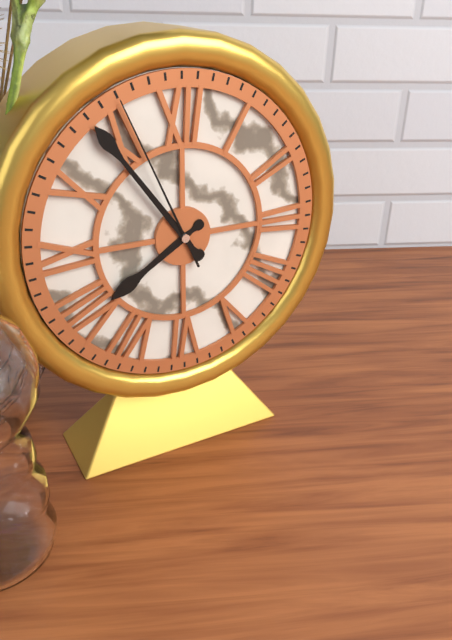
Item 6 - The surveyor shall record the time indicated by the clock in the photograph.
7:54:56
